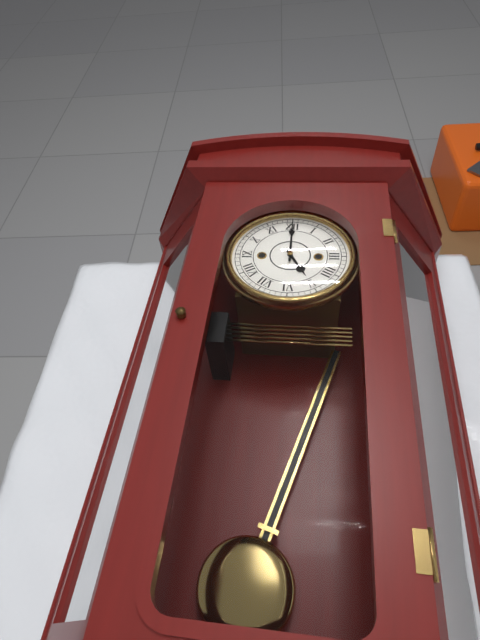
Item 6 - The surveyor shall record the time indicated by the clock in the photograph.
5:00
